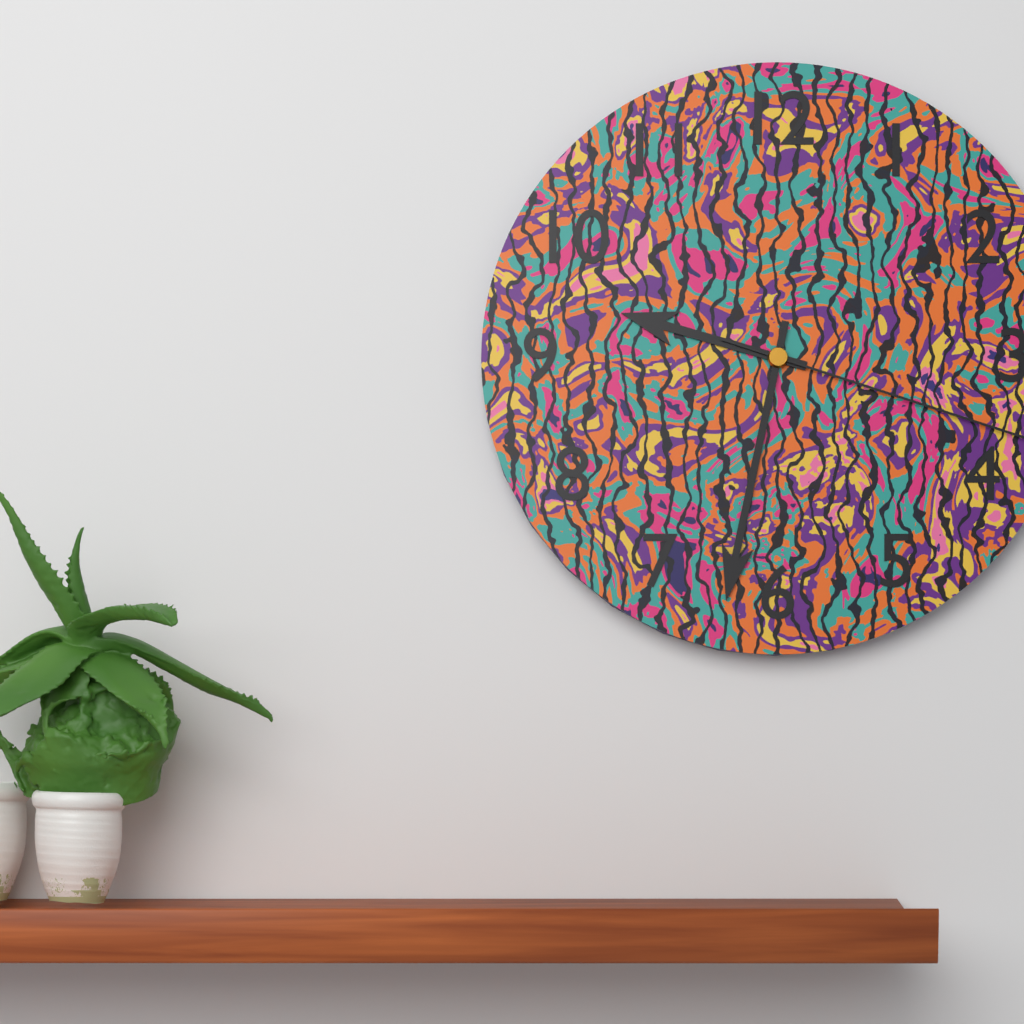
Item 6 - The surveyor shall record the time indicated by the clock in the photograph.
9:32
